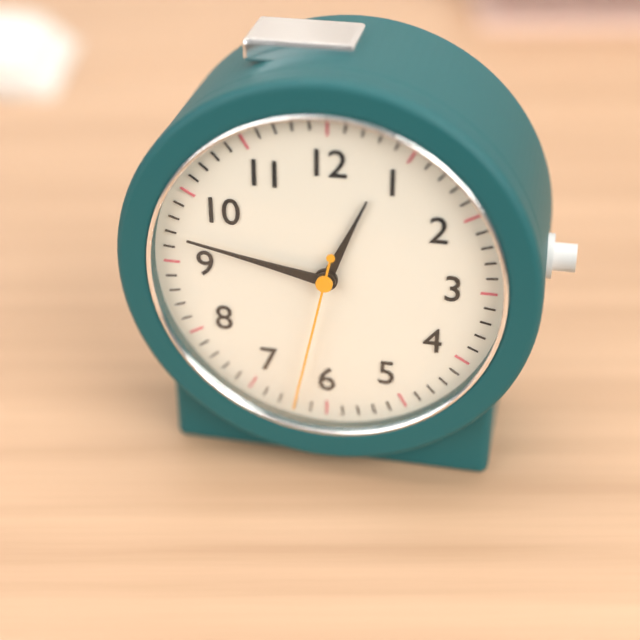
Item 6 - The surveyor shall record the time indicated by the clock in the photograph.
12:47:32
